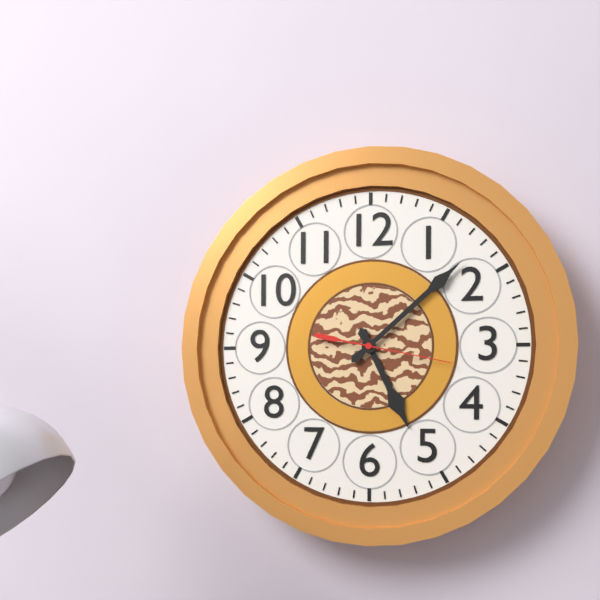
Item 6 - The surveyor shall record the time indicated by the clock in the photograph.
5:08:17
